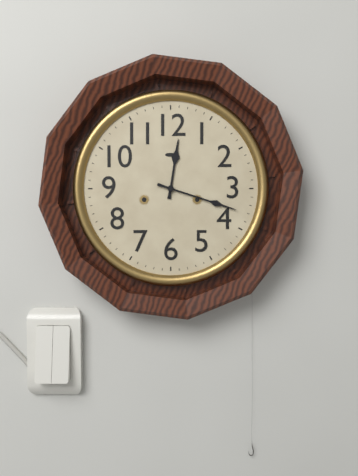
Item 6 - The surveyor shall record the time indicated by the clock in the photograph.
12:18
